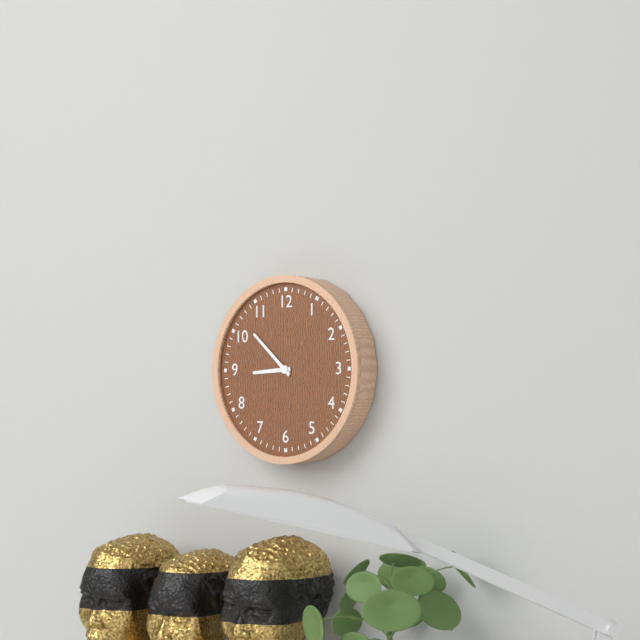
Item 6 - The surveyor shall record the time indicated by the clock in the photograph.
8:52
